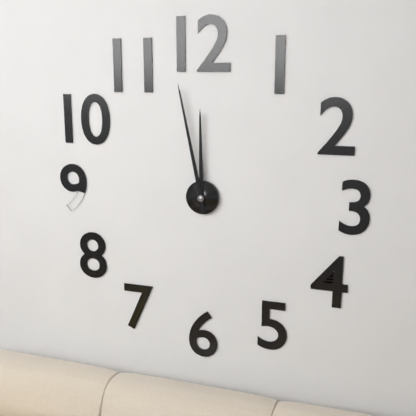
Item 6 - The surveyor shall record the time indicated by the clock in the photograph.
11:58
